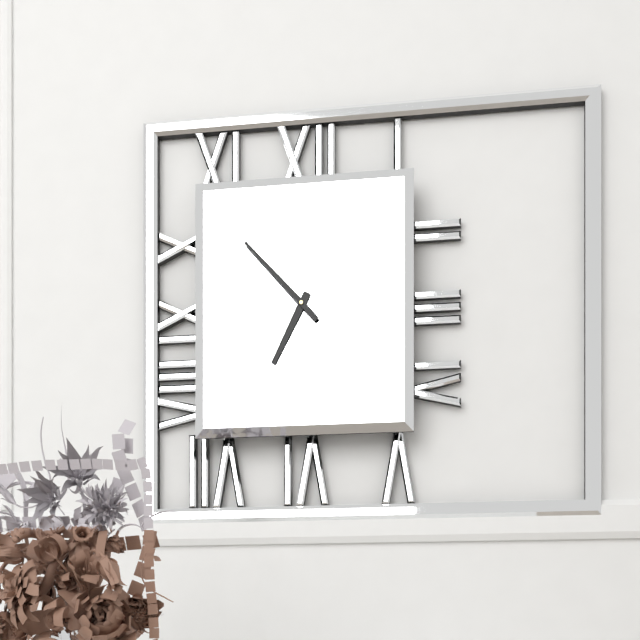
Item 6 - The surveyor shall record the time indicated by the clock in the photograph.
6:53
